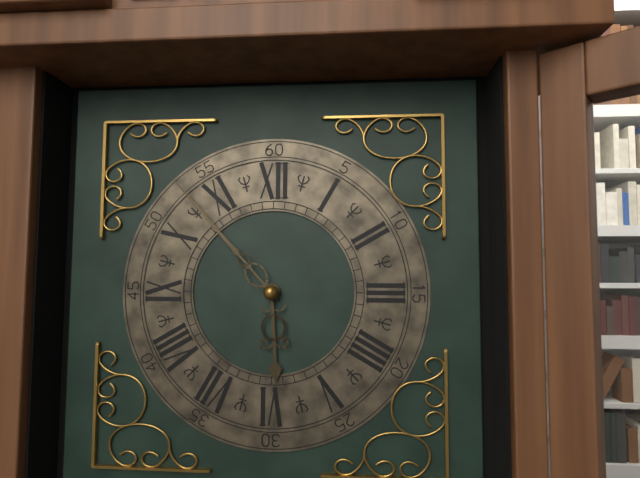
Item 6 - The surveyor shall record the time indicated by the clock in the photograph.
5:53
